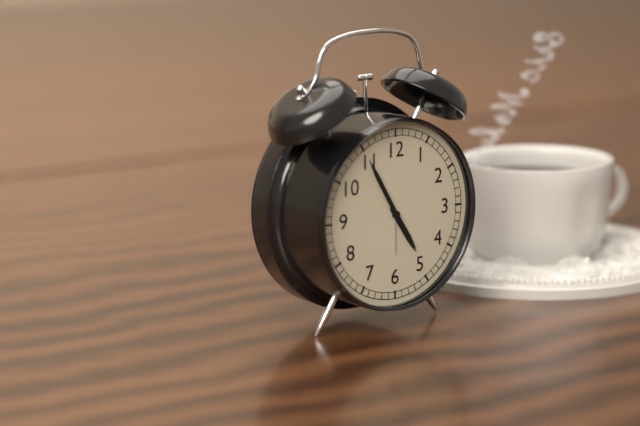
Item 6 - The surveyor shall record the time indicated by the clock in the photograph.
4:55
